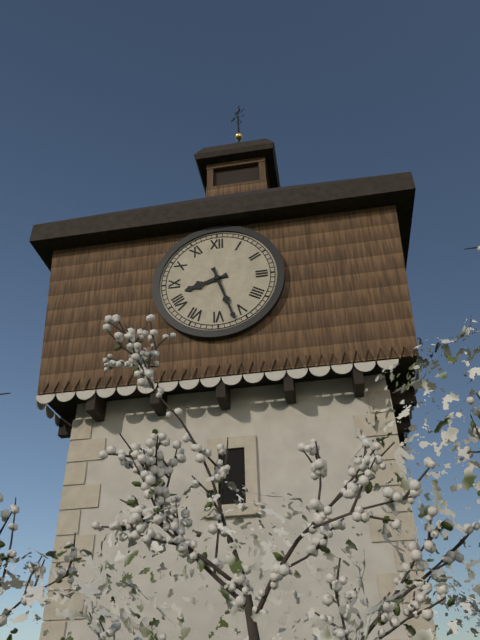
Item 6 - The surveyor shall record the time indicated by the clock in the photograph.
8:27
